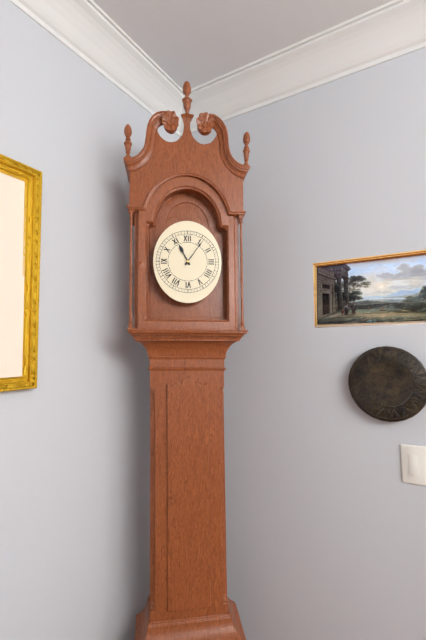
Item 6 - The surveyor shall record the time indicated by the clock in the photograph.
11:06
